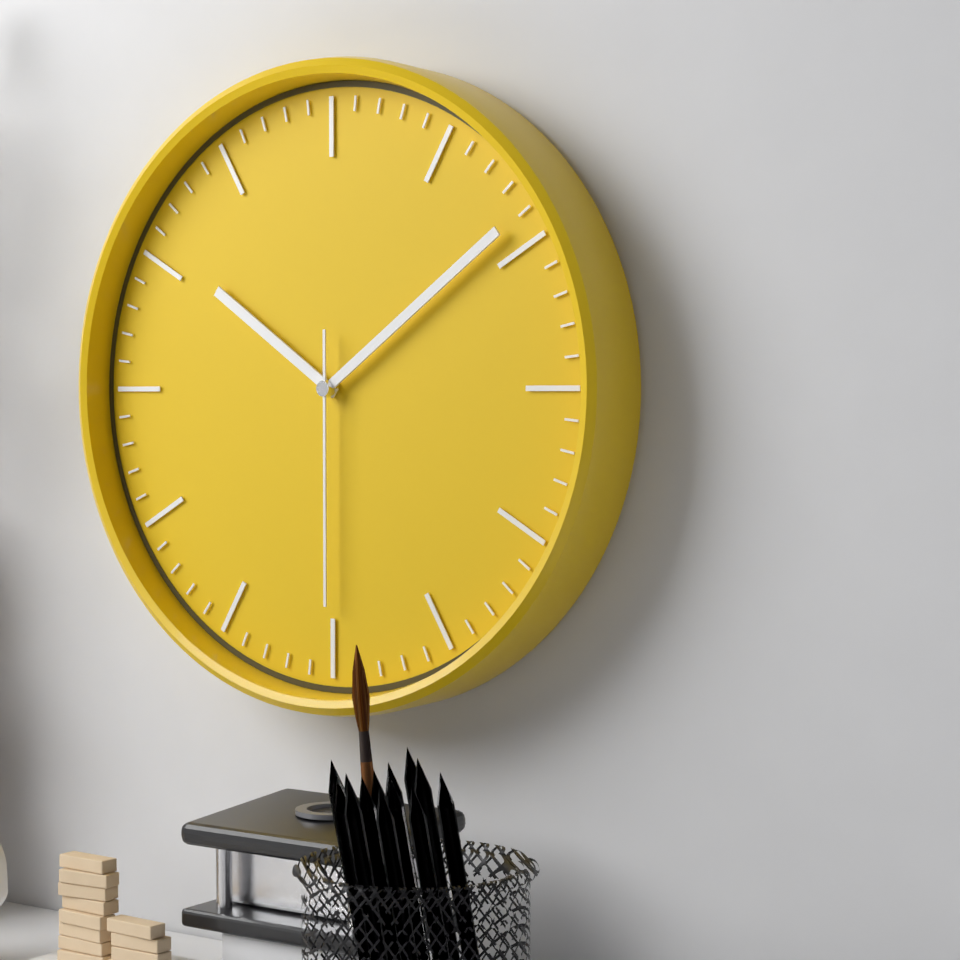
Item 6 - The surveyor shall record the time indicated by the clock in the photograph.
10:09:30
